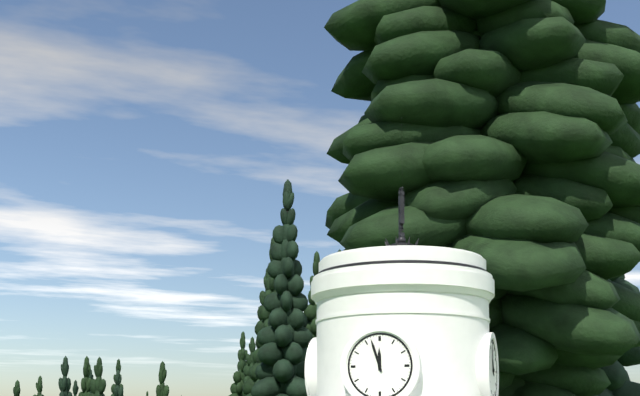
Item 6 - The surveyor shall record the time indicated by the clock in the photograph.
11:57
